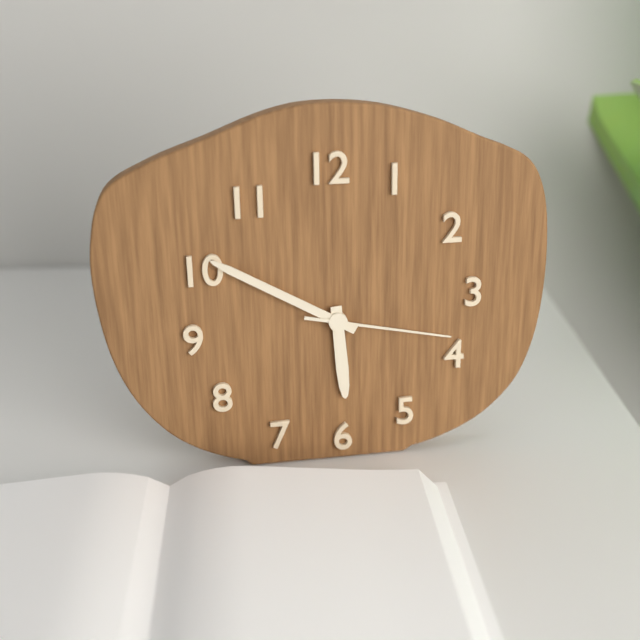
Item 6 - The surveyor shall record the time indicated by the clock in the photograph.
5:50:17
